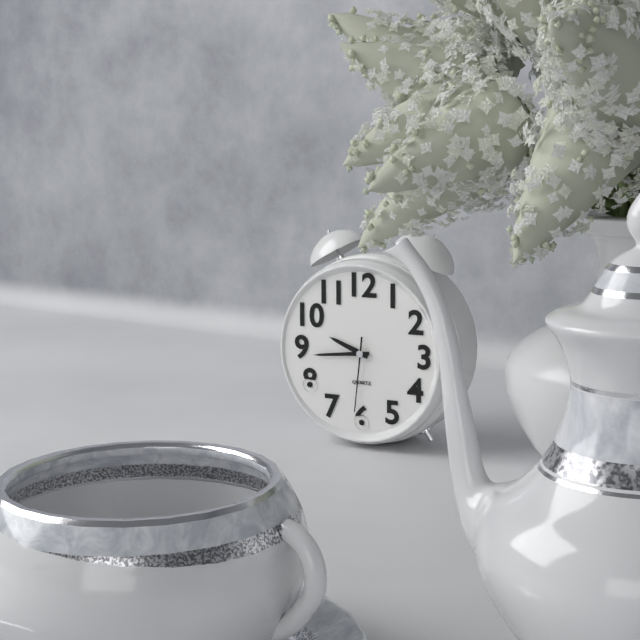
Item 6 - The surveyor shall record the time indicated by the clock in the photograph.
9:44:31
